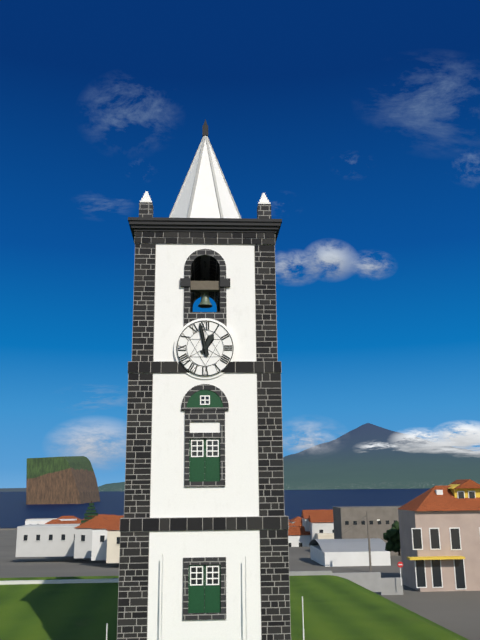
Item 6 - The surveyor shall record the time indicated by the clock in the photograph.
12:58
